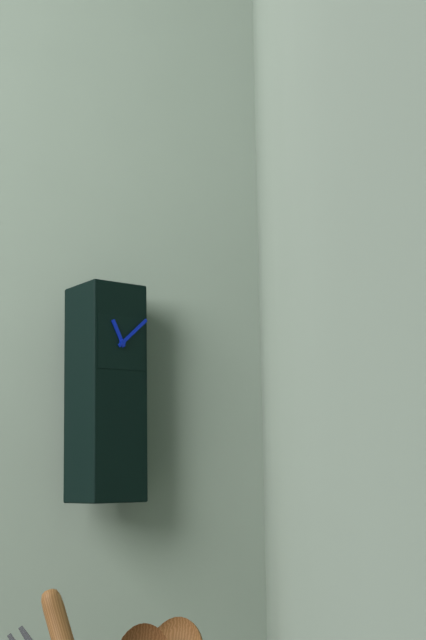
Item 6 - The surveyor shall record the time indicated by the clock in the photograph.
11:08
